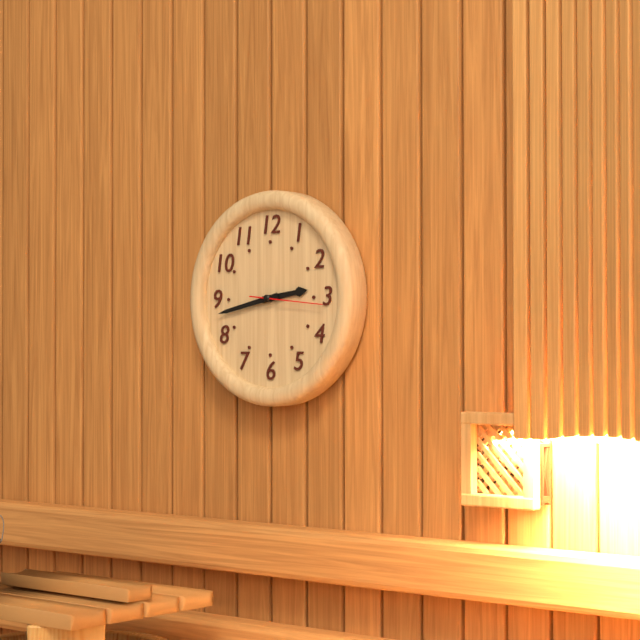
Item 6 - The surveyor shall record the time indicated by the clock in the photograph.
2:43:16
